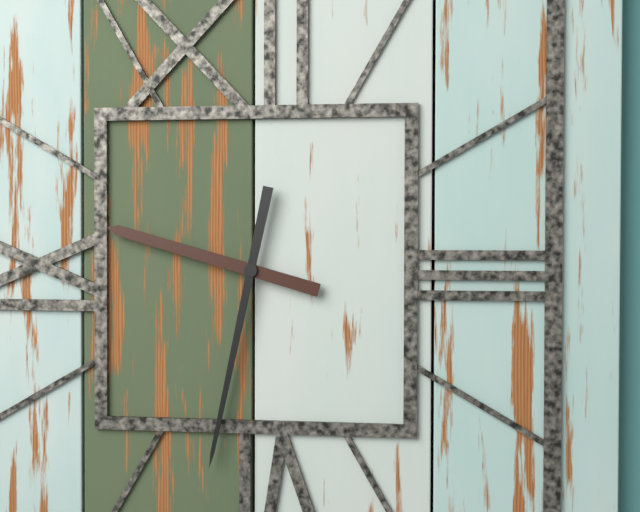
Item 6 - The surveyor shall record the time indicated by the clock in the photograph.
9:32
